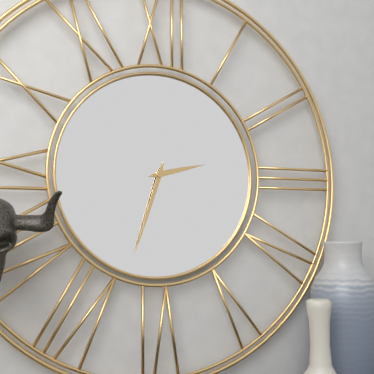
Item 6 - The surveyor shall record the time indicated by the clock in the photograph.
2:33
